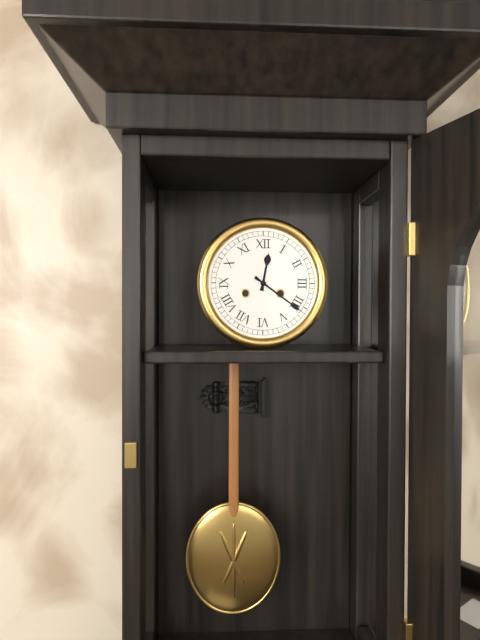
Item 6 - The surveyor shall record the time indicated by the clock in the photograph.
12:21
